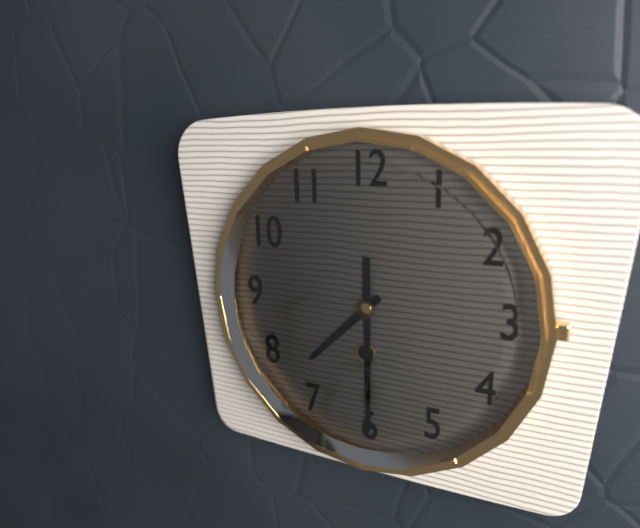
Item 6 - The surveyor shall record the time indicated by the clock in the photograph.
7:30
